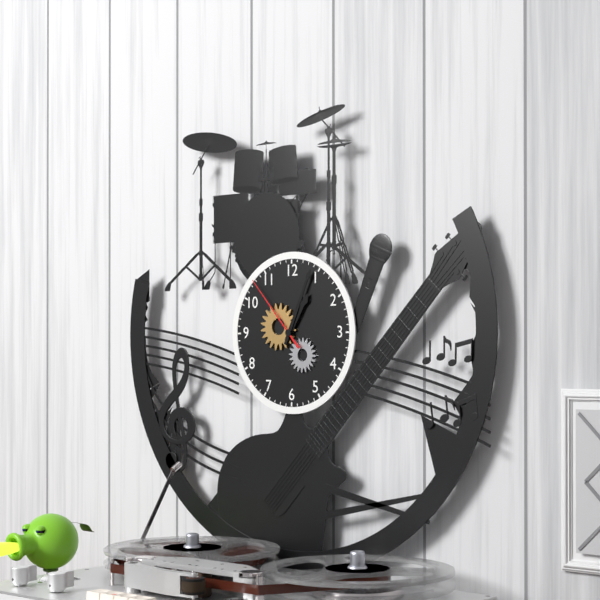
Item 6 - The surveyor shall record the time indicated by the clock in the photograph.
1:04:53
